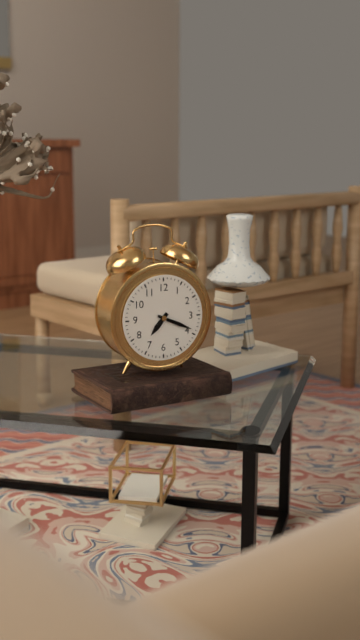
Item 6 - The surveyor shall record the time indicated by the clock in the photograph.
7:19
